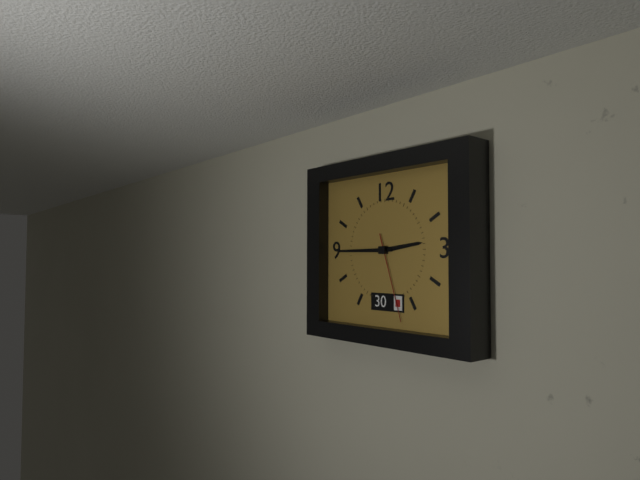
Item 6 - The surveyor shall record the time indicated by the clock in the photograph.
2:45:27
